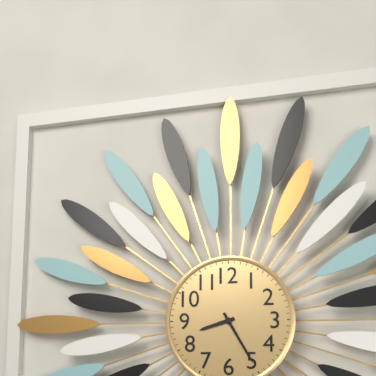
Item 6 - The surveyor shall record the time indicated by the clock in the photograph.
8:25
